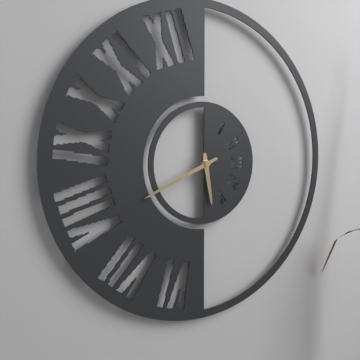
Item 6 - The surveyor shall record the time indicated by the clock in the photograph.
5:41
